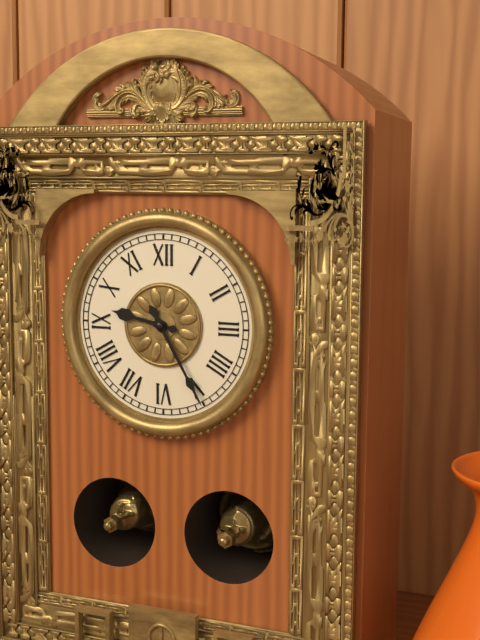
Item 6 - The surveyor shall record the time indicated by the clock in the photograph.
9:25
